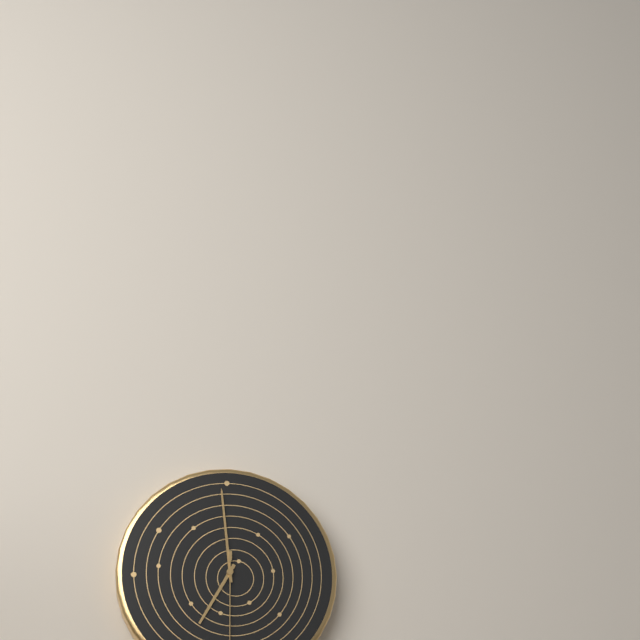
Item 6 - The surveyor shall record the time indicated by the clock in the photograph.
6:59
